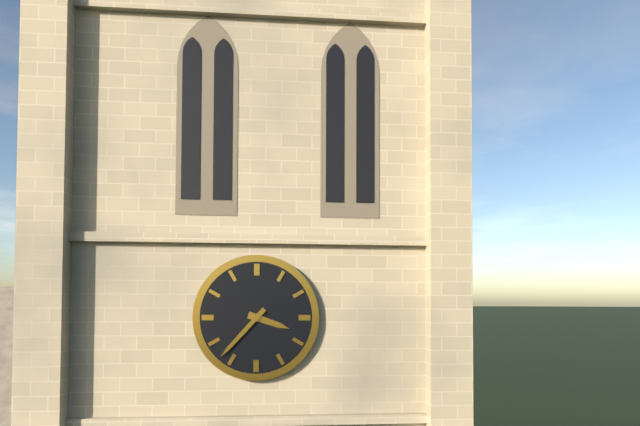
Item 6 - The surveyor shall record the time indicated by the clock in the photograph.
3:37
